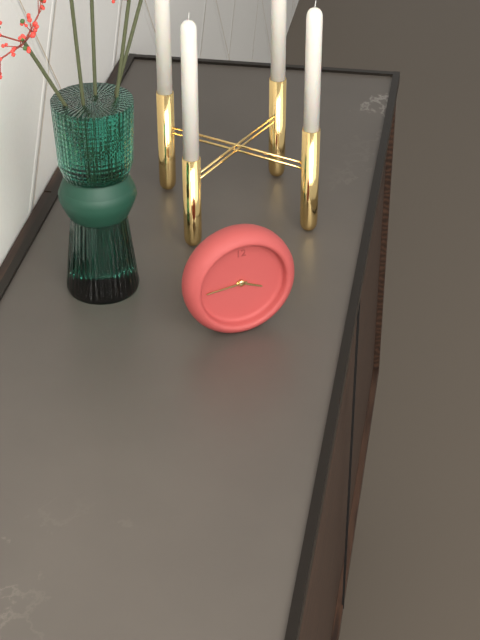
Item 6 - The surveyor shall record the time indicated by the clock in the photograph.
3:44
